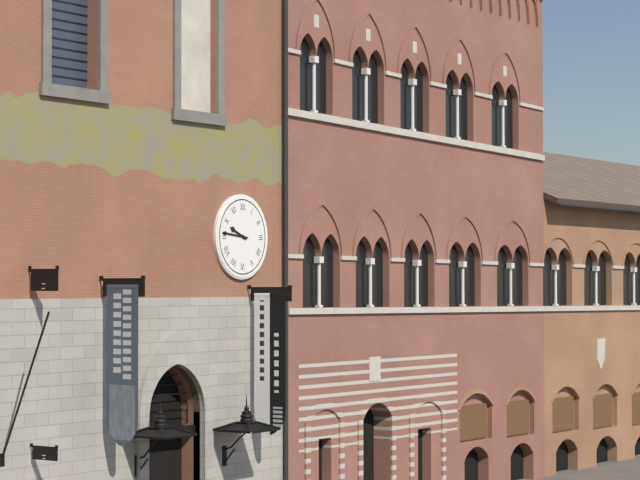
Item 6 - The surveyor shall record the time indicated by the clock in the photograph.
9:46
